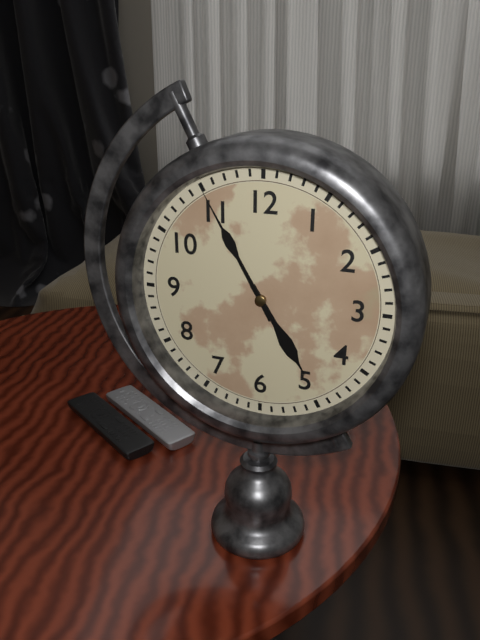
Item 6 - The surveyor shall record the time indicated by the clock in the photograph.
4:55
